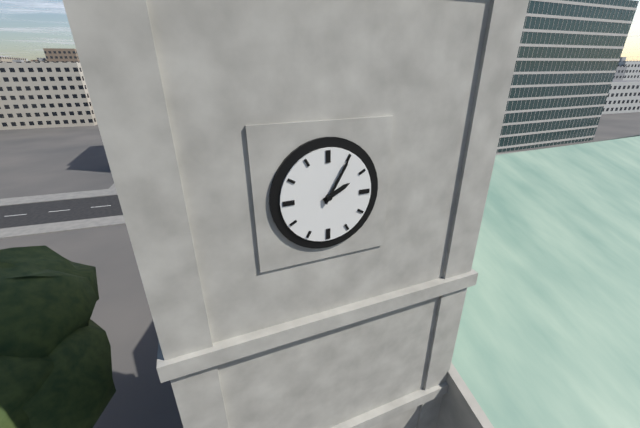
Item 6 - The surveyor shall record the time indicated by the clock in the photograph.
2:05
